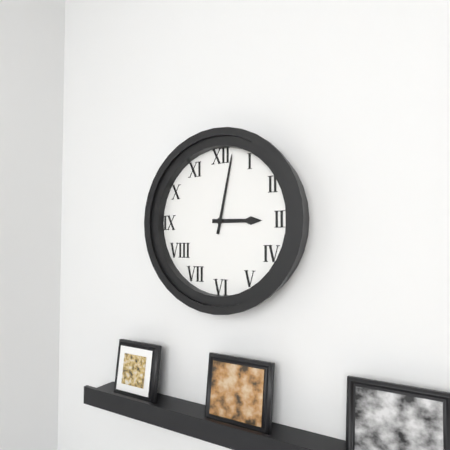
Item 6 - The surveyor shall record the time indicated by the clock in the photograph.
3:02
